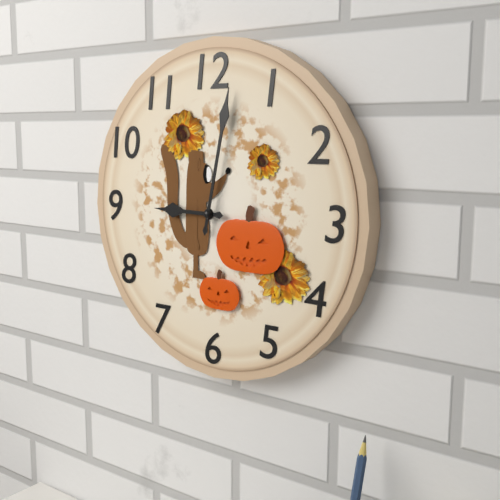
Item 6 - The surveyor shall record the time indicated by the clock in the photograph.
9:02
